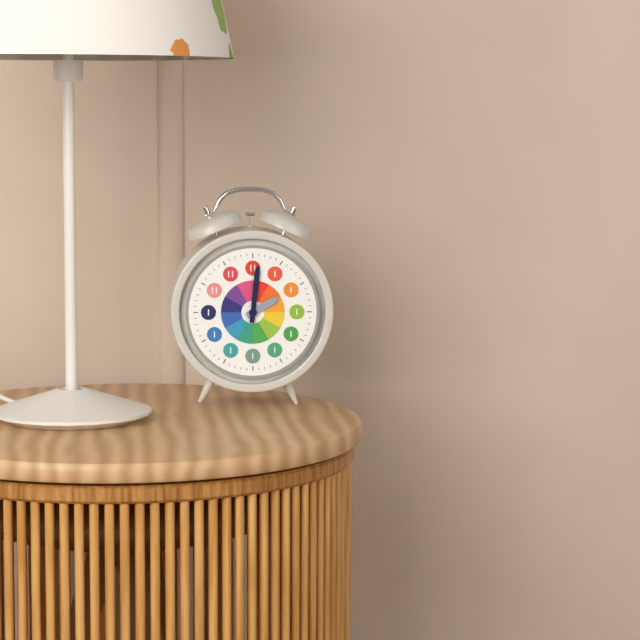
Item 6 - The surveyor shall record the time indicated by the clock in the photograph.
2:01
